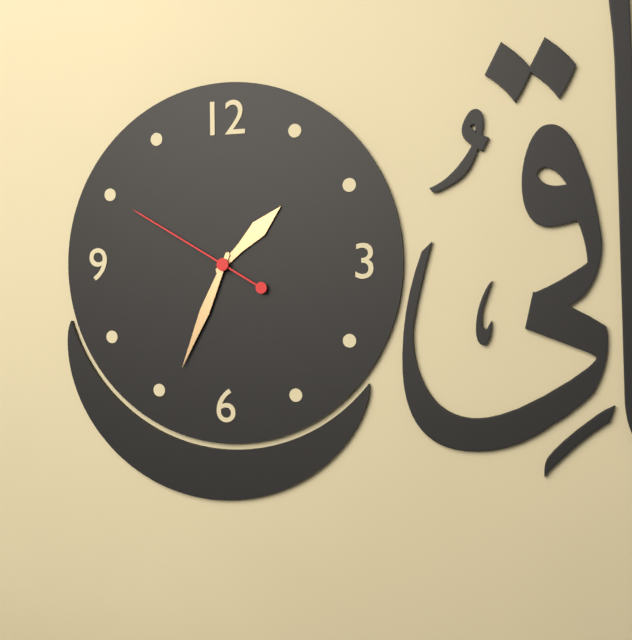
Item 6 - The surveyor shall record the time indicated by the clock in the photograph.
1:34:50
